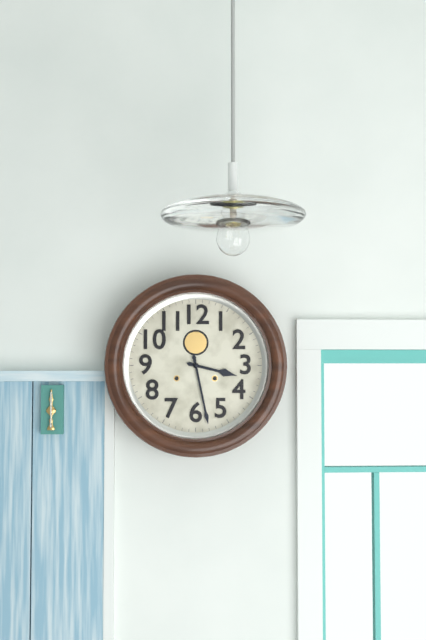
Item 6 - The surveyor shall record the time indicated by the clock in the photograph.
3:28
